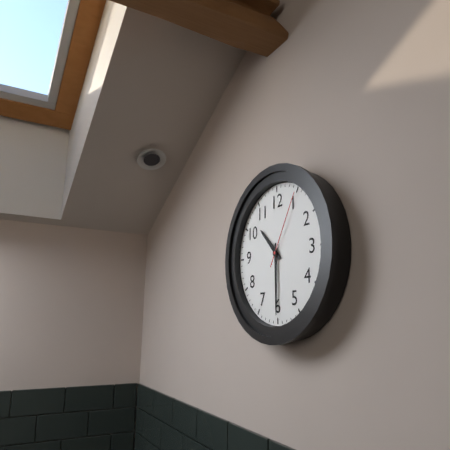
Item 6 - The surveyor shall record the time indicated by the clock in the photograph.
10:30:05
